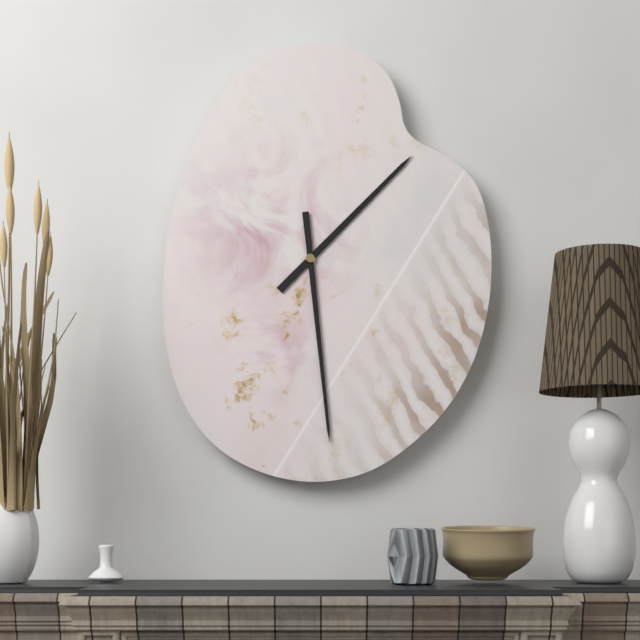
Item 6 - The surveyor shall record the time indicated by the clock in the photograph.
1:29
